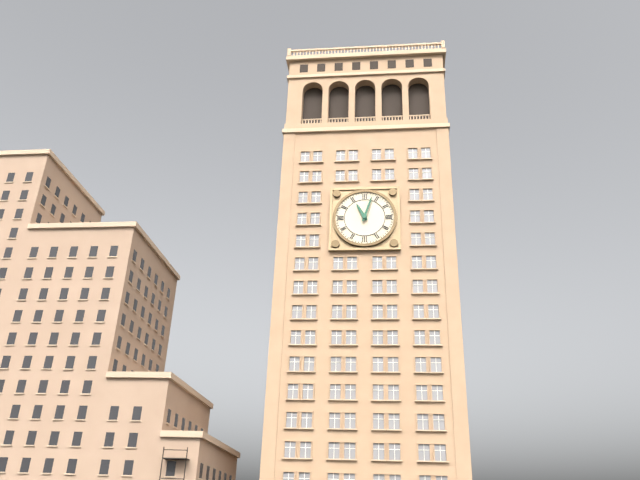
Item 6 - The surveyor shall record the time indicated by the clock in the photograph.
11:03
